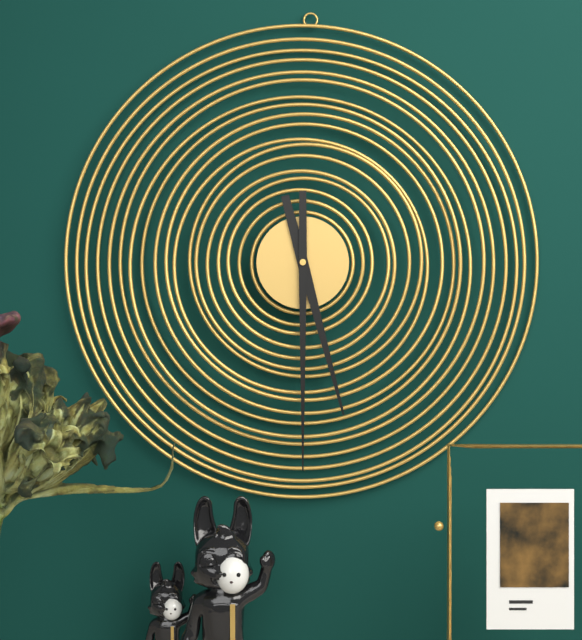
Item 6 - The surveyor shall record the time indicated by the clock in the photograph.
5:30
